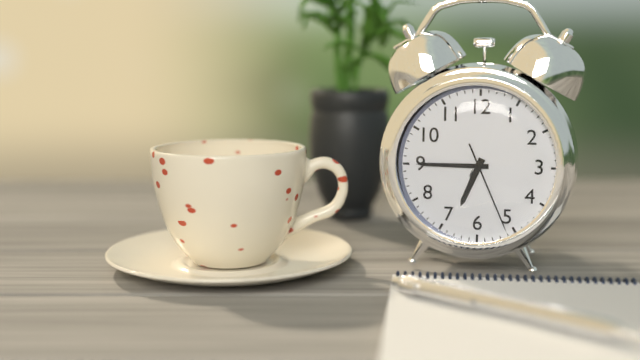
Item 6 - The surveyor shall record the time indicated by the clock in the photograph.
6:45:26
